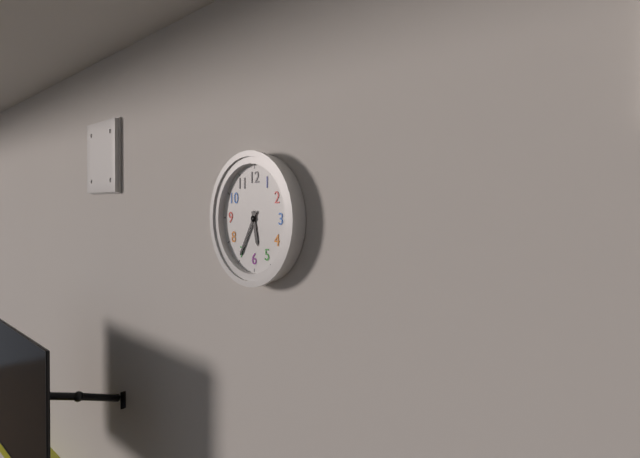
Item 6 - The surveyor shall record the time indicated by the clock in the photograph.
5:35
